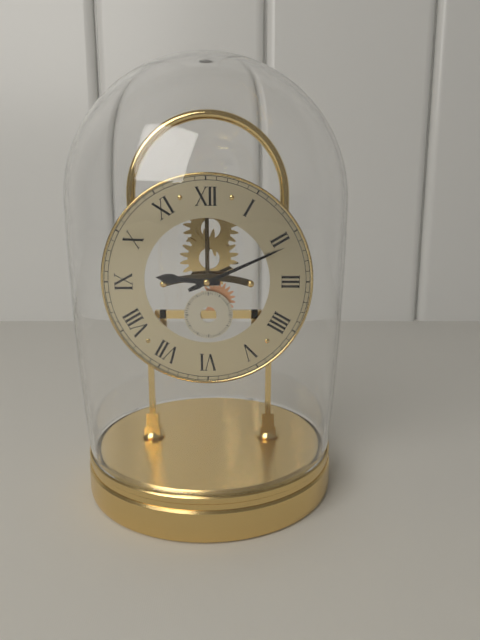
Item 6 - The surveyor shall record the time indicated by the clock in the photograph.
9:11
